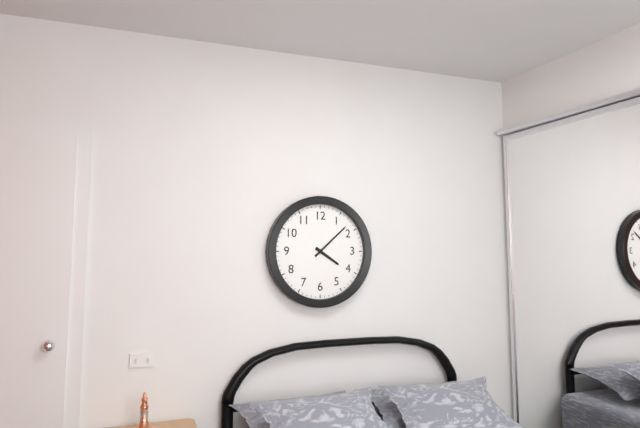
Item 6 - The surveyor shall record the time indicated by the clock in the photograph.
4:08
